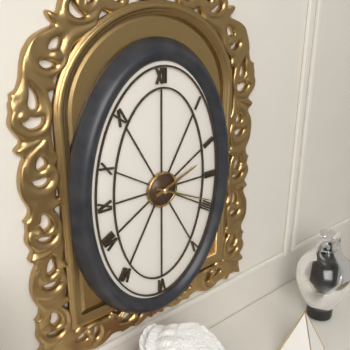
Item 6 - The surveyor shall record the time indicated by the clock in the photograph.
2:19
